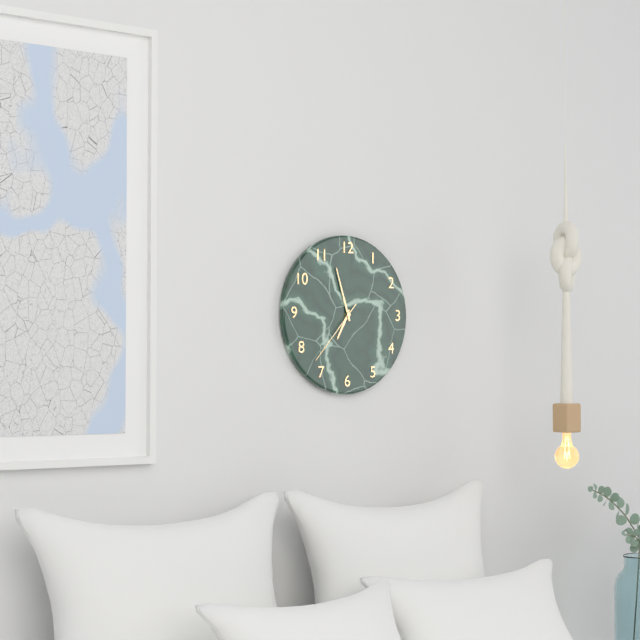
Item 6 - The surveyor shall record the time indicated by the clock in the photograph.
6:57:37
